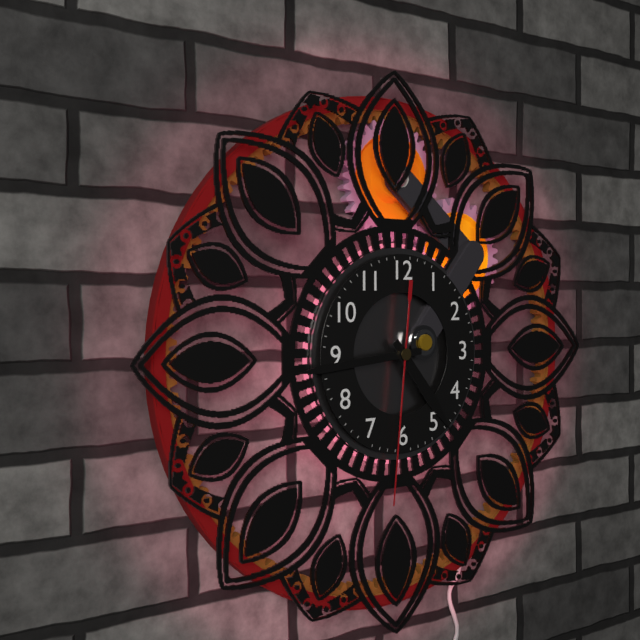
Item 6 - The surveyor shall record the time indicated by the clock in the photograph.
4:44:31
